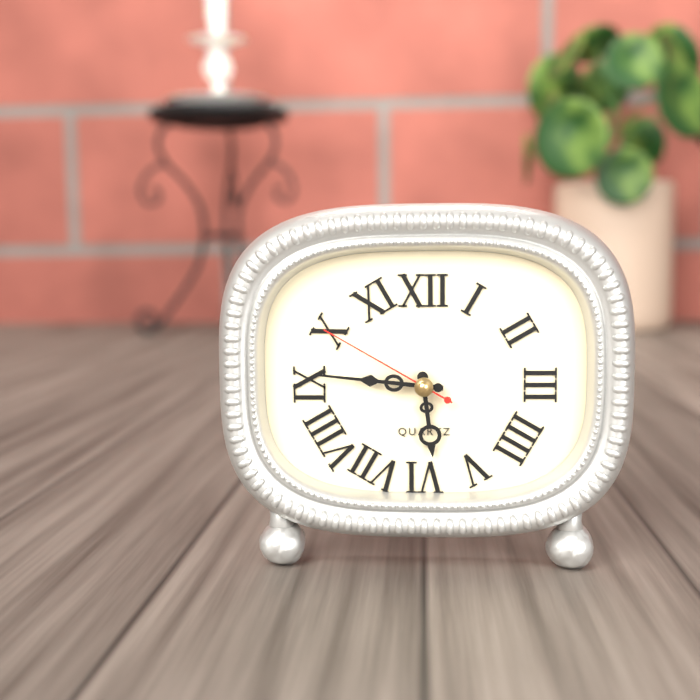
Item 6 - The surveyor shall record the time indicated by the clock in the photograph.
5:46:50
